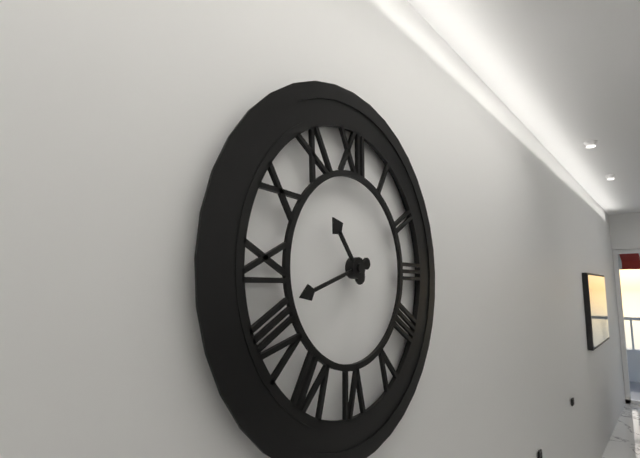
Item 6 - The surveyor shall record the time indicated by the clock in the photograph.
10:42
